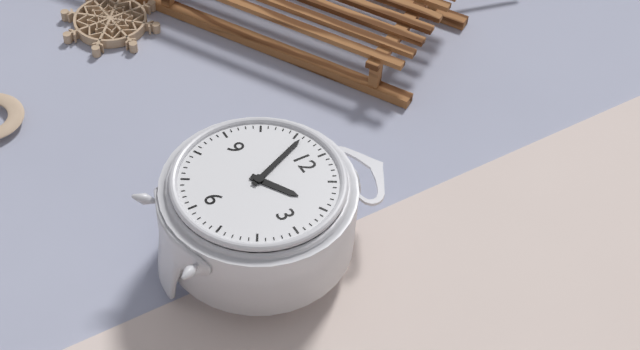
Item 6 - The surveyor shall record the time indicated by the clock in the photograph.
1:56
